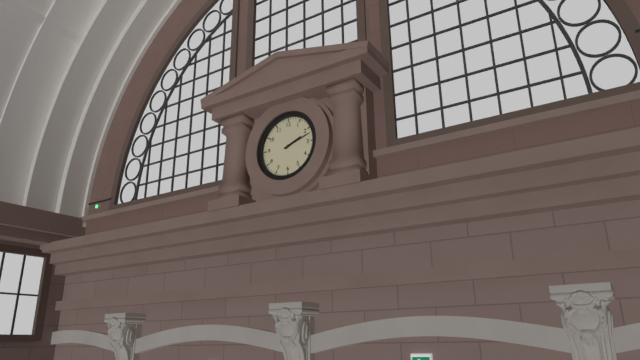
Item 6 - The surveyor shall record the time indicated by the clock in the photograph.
2:12
